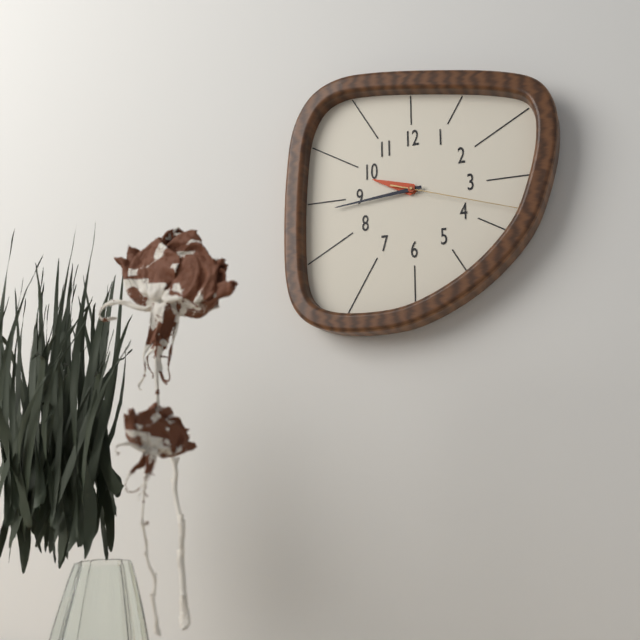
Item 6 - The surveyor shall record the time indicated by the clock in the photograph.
9:44:18
